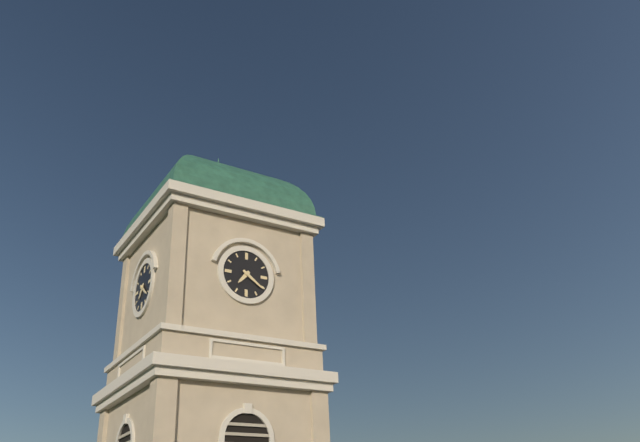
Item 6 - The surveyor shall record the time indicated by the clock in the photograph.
7:21
